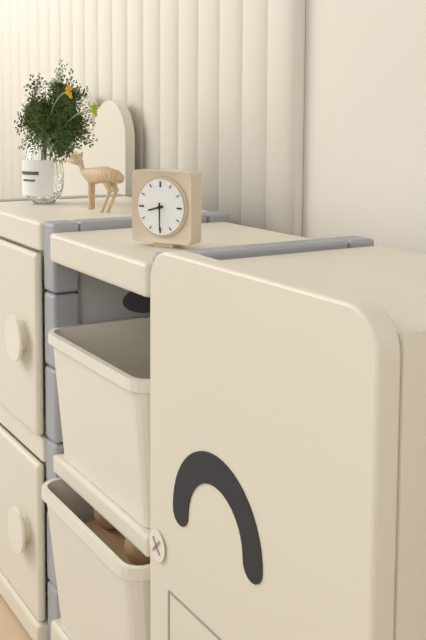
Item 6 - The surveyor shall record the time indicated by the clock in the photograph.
8:30
